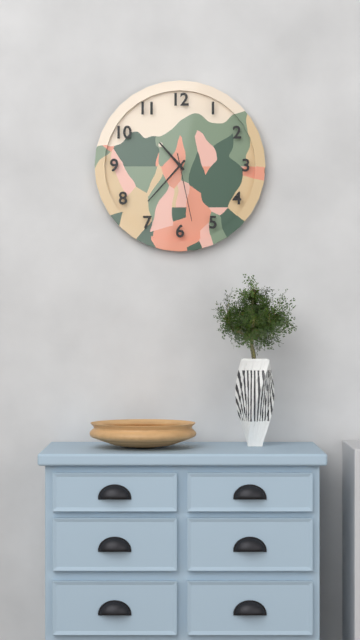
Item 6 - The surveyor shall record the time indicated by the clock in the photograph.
10:37:28
